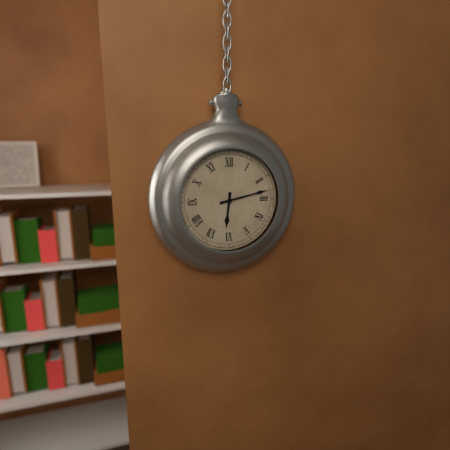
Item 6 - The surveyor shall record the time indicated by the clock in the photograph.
6:13
